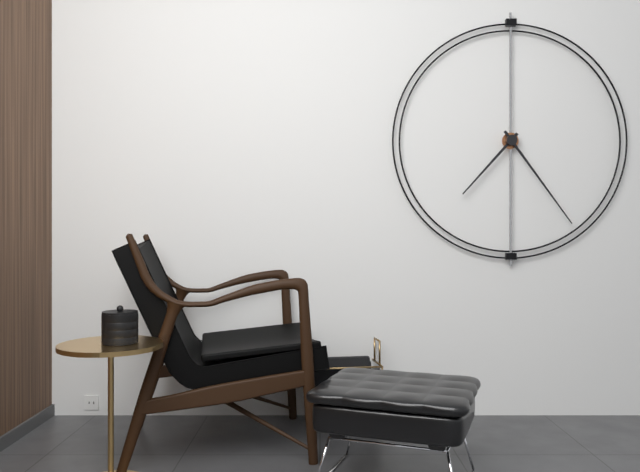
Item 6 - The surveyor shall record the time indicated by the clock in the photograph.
7:24
